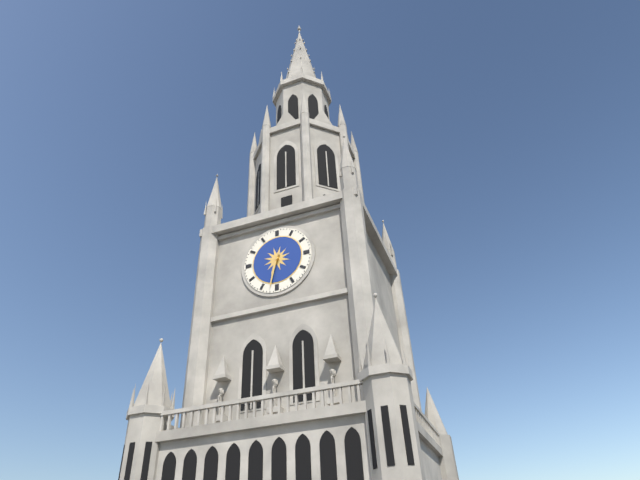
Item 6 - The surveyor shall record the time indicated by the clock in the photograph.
6:32
